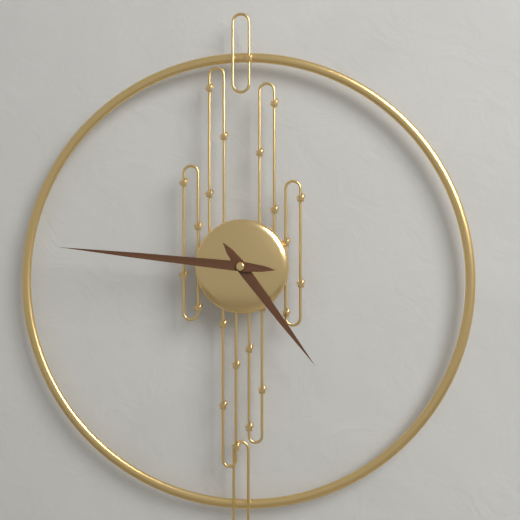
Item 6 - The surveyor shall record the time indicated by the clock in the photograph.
4:46
